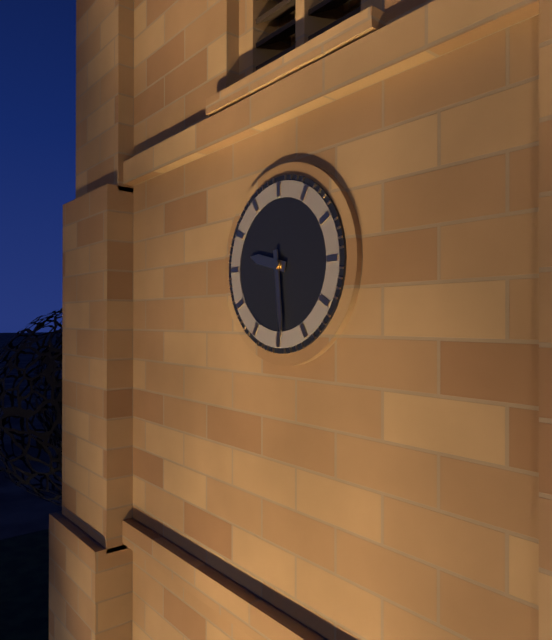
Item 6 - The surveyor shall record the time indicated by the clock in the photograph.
9:29
